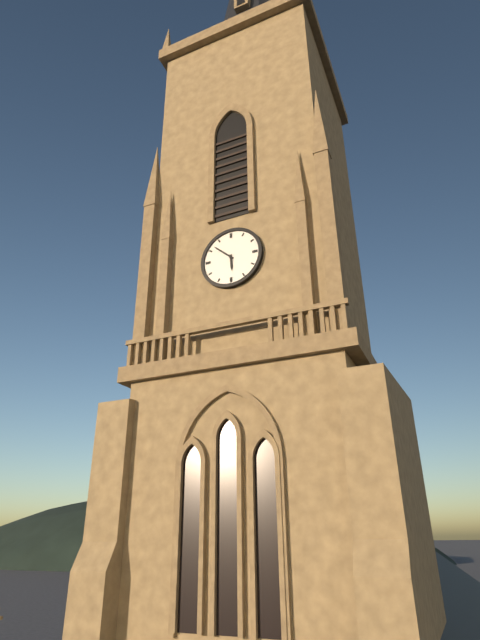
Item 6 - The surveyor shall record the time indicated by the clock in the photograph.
5:52
